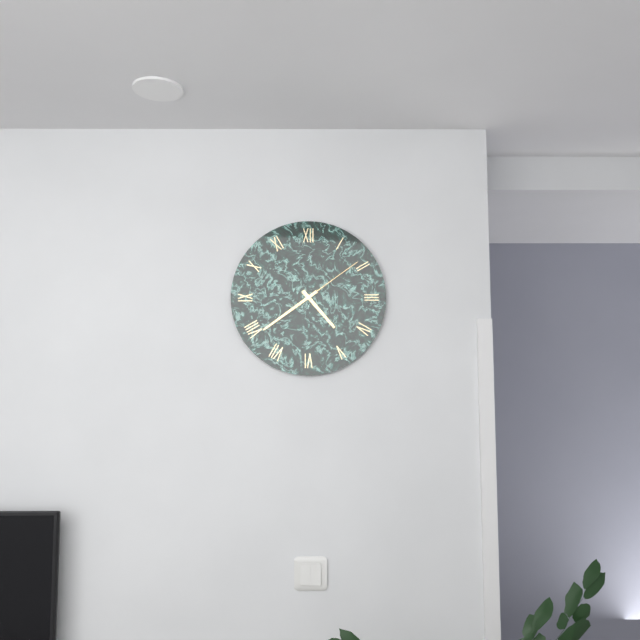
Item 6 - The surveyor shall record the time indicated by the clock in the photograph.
4:39:09
